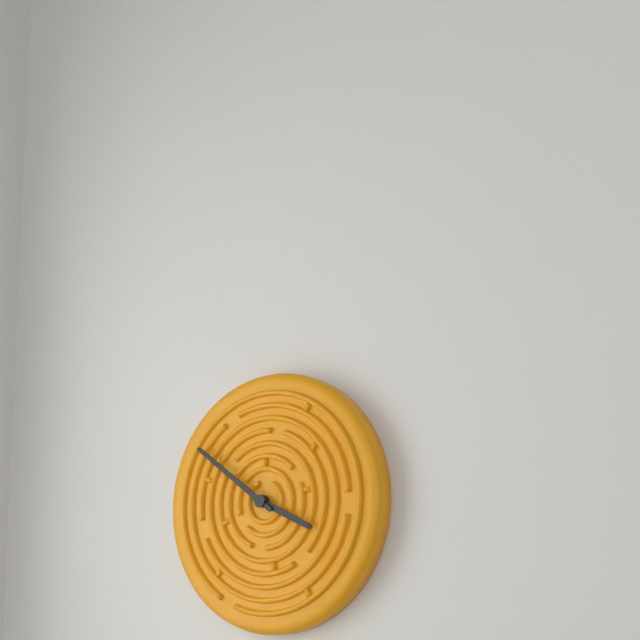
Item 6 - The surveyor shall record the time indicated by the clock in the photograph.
3:51
